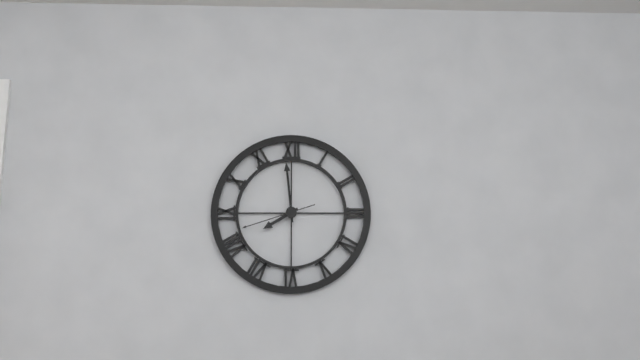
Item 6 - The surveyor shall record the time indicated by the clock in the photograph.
7:59:42
